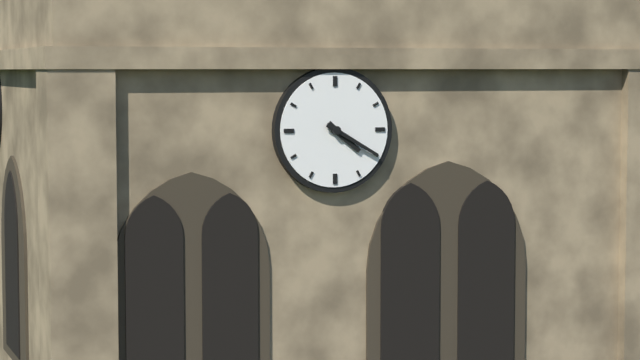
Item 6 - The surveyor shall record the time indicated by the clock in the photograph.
4:20
